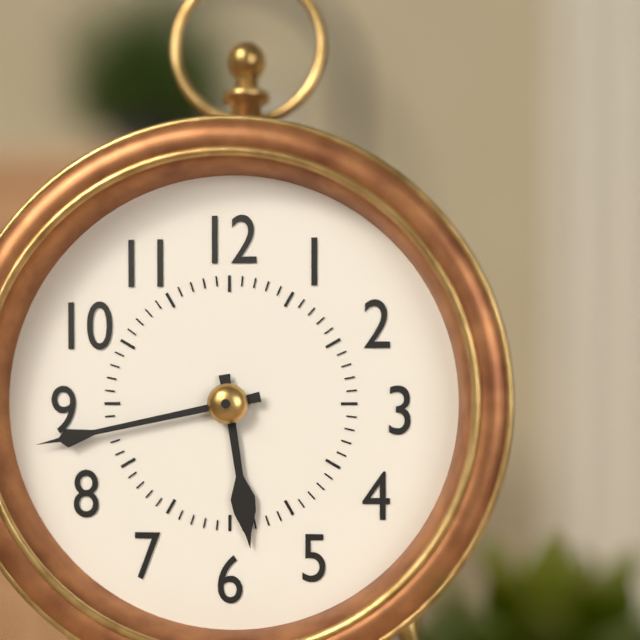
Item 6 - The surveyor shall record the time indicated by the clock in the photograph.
5:43
